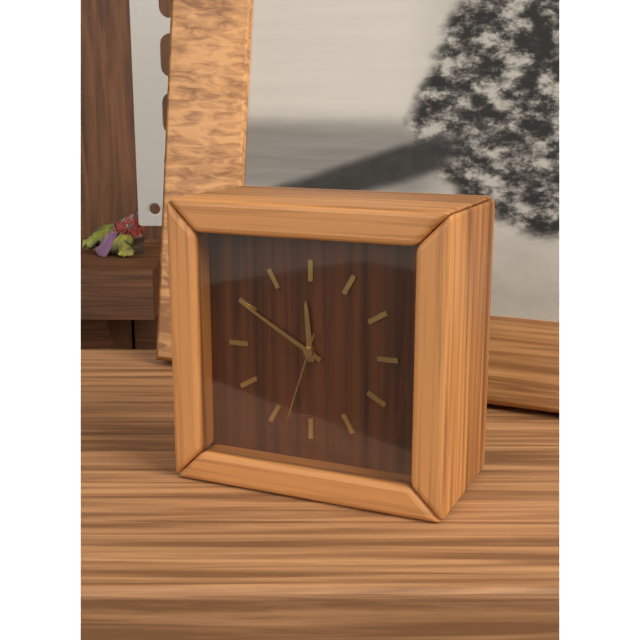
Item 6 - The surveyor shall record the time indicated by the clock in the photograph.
11:50:33
